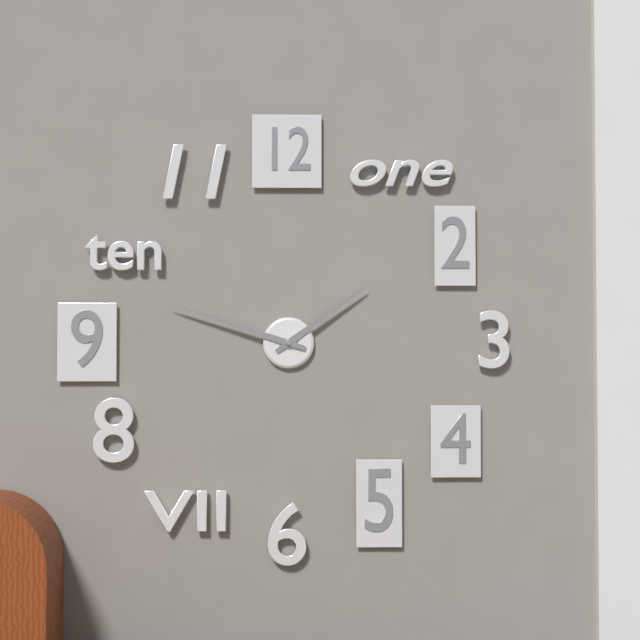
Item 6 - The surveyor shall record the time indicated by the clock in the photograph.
1:48
